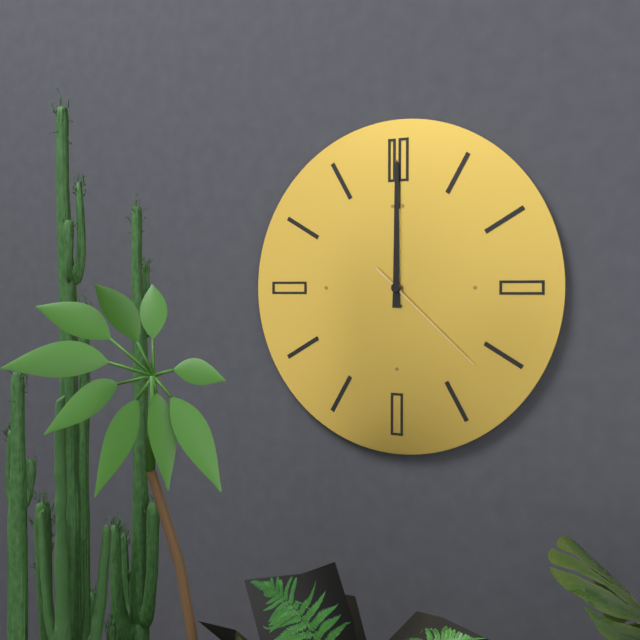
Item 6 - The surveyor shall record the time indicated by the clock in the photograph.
12:00:22
